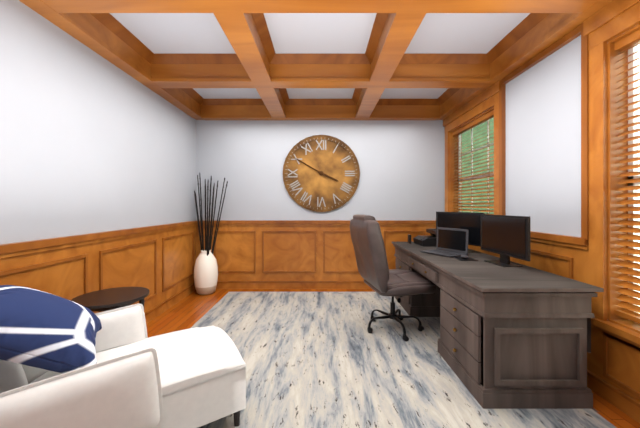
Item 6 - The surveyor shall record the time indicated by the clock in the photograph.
3:50
